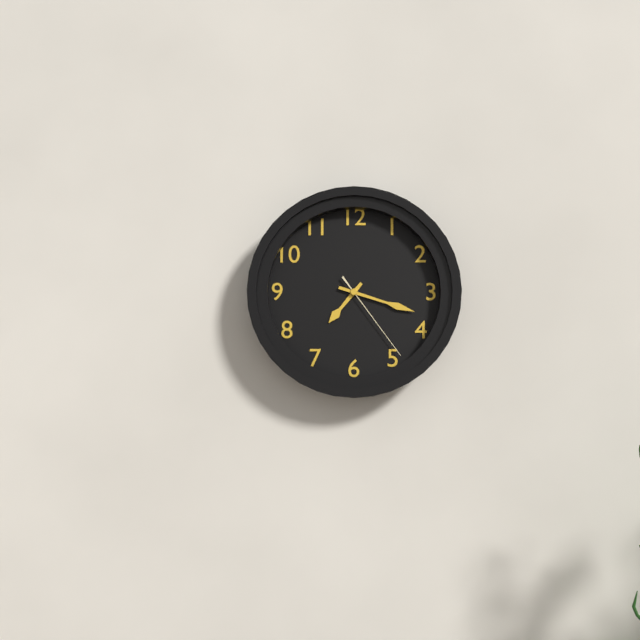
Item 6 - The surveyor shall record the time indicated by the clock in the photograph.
7:18:24
